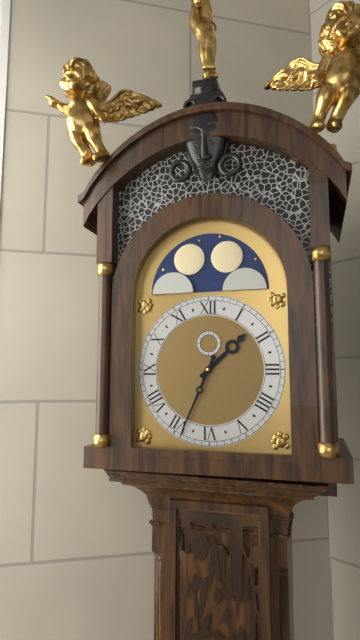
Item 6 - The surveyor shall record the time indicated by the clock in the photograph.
1:34
